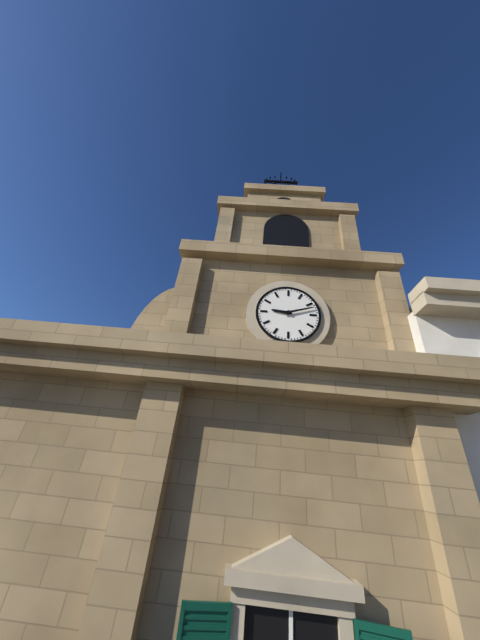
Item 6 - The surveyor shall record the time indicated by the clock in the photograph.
9:12
